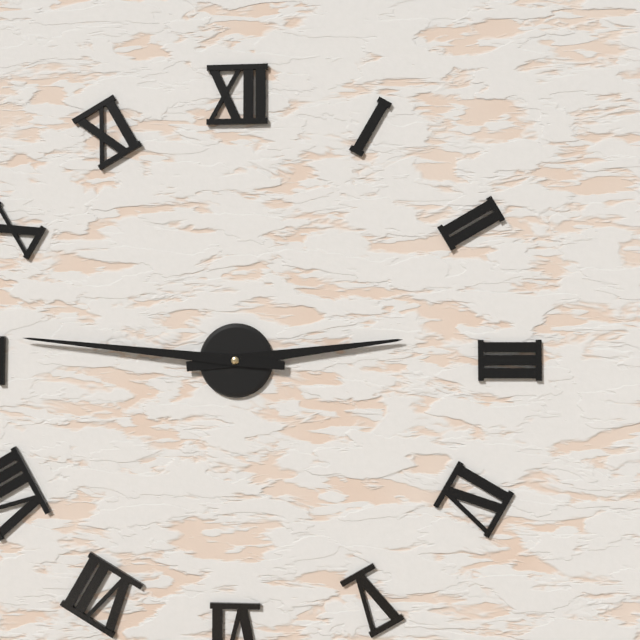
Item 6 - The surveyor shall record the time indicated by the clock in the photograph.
2:46
